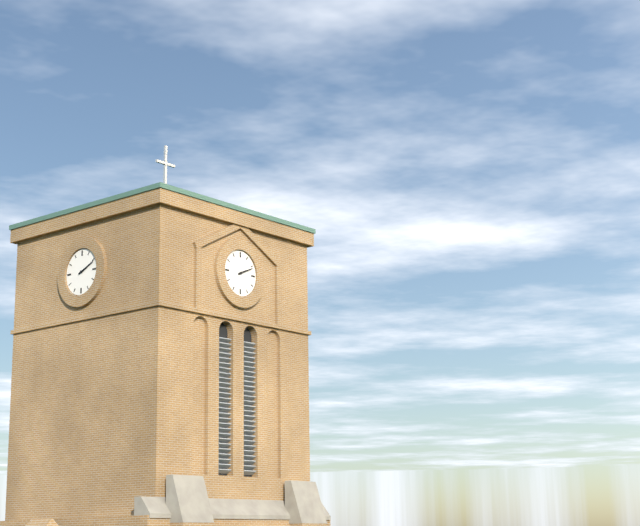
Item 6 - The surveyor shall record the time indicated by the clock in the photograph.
2:11
